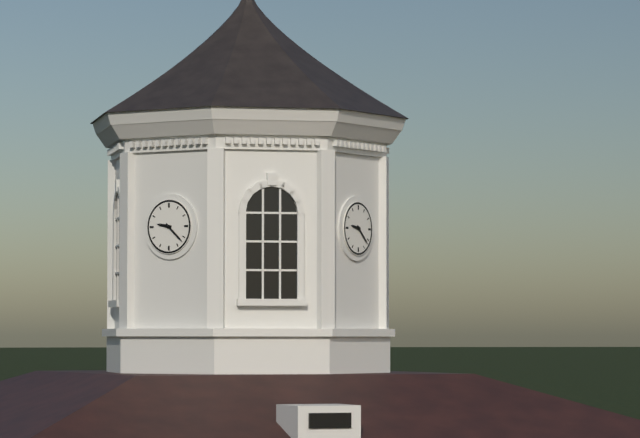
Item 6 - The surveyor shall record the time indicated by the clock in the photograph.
9:22
